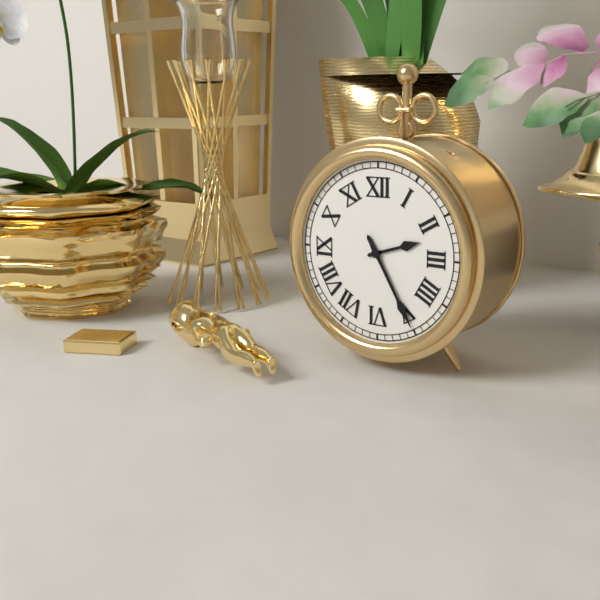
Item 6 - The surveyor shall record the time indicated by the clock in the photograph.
2:25
